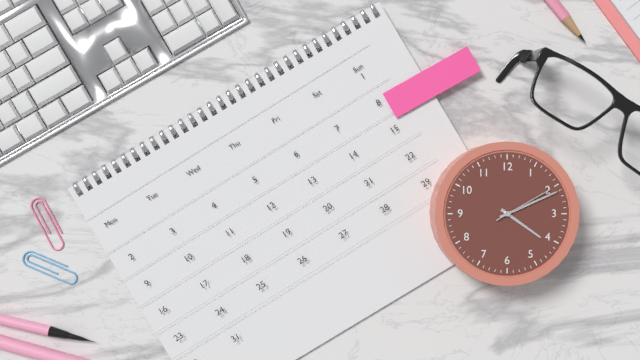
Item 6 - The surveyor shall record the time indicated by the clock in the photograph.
4:11:10
